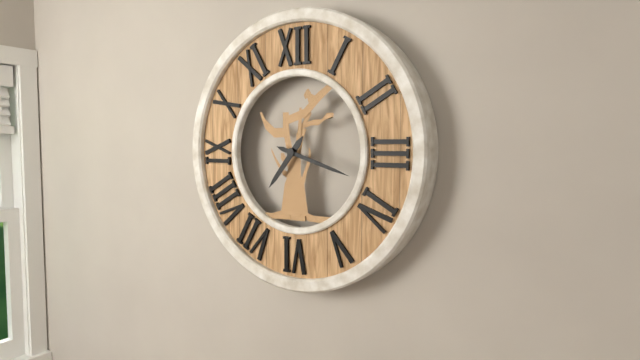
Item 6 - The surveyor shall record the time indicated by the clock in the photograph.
7:18
